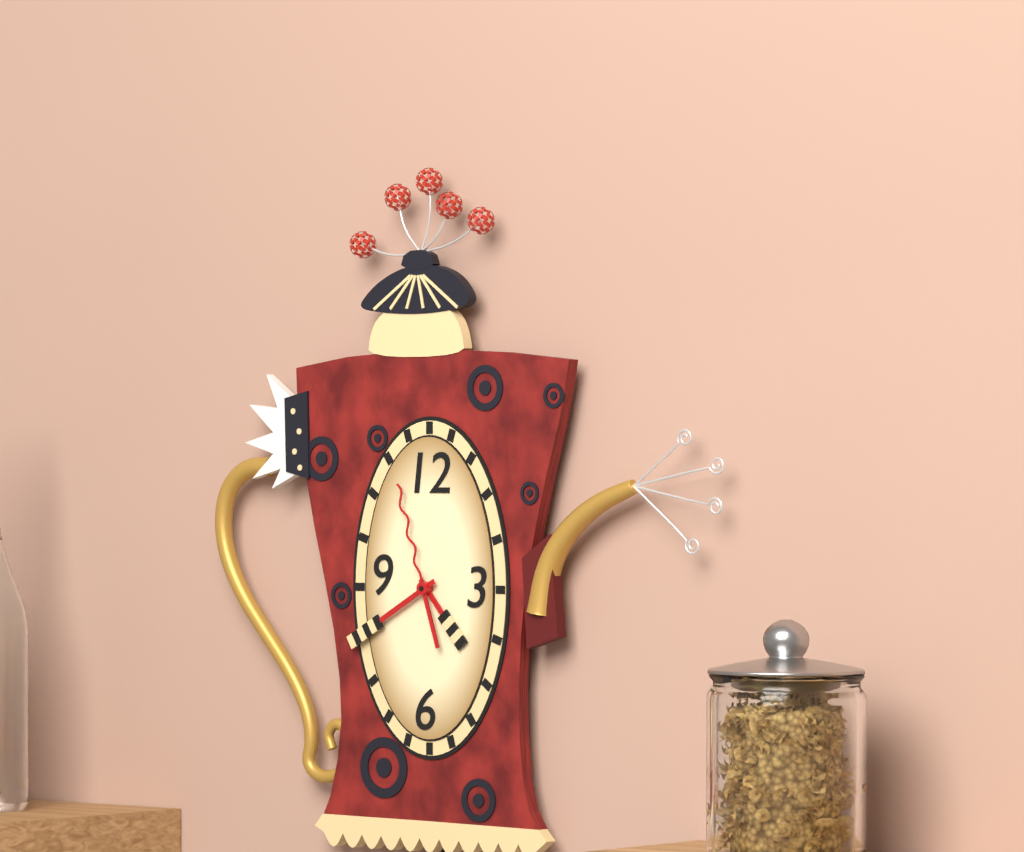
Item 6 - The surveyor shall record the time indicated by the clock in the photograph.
4:40:57
